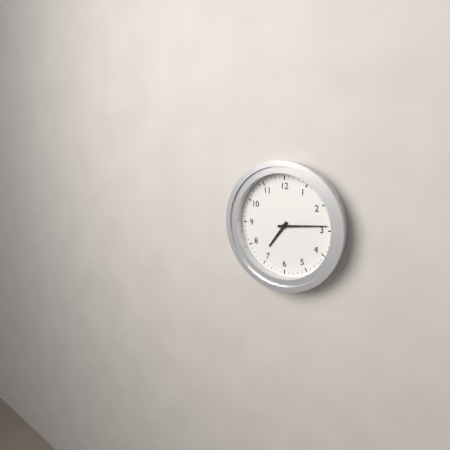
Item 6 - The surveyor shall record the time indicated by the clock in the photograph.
7:14
